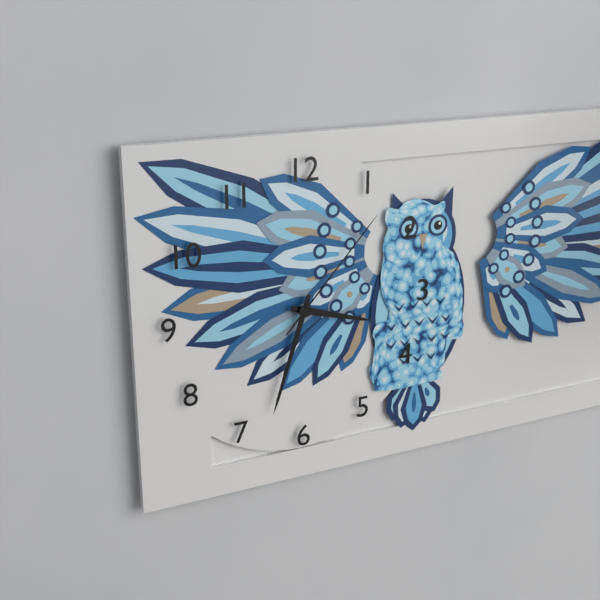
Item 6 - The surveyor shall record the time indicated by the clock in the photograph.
3:33:07
